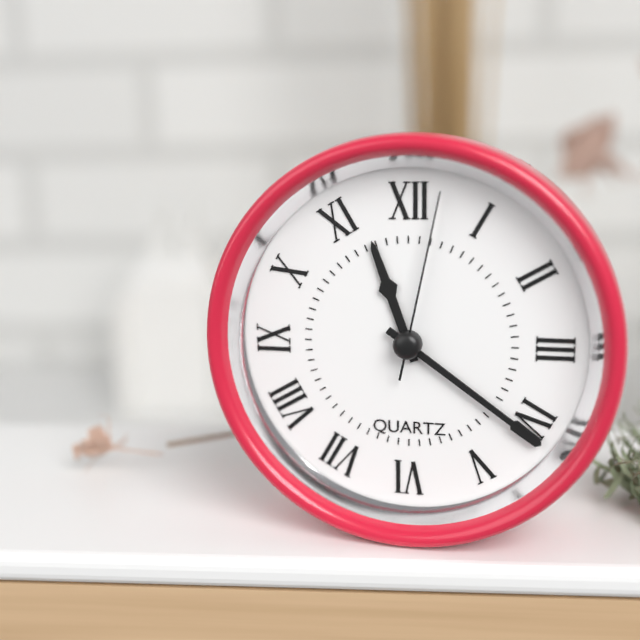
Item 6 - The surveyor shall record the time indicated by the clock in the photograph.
11:21:02
